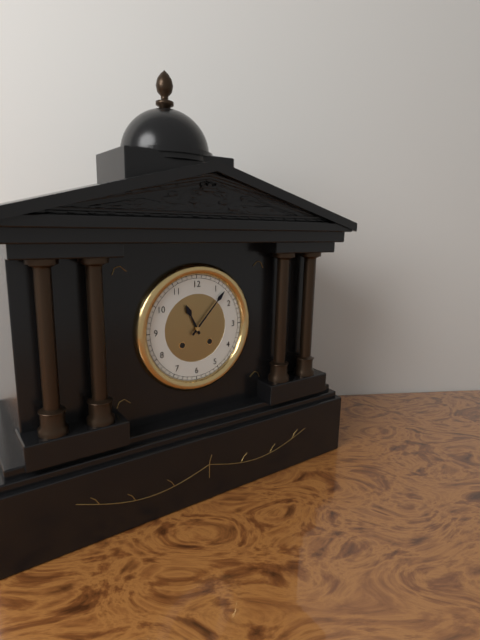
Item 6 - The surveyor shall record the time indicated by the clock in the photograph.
11:07
